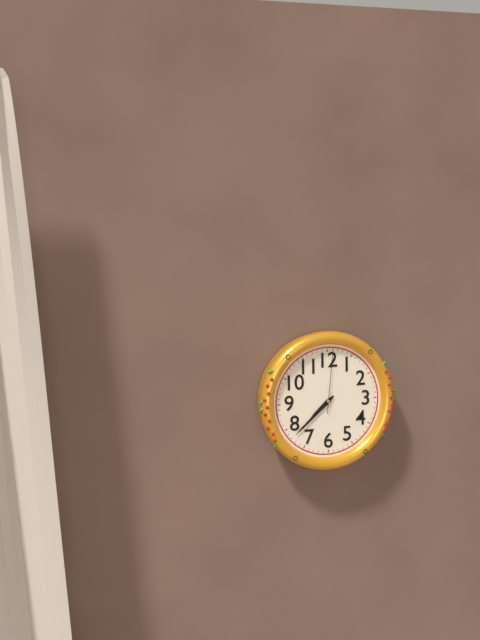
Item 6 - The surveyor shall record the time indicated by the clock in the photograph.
7:38:01
